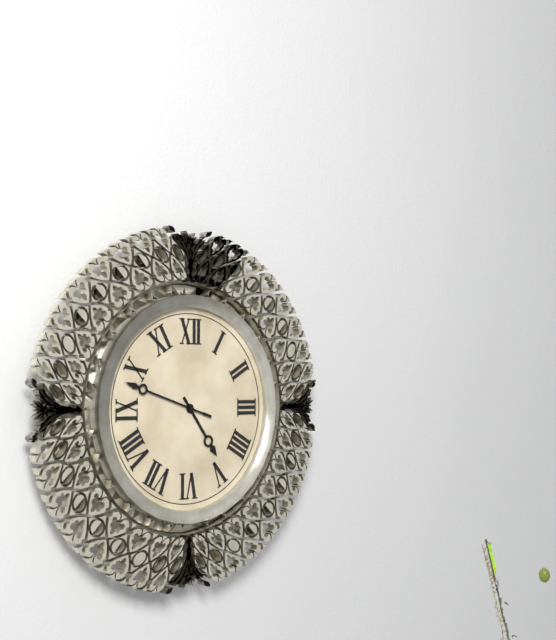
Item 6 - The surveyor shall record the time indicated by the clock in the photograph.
4:48
